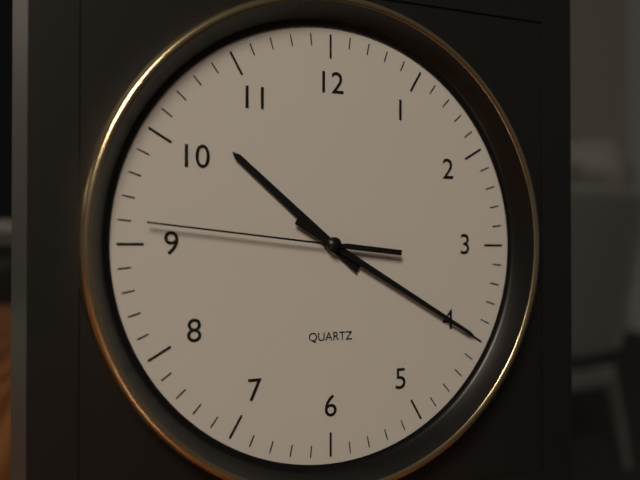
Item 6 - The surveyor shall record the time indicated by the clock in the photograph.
10:20:46
